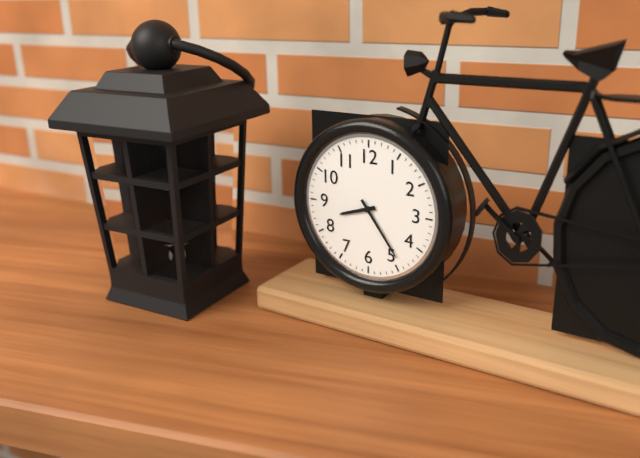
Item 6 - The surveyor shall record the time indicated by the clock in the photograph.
8:24
